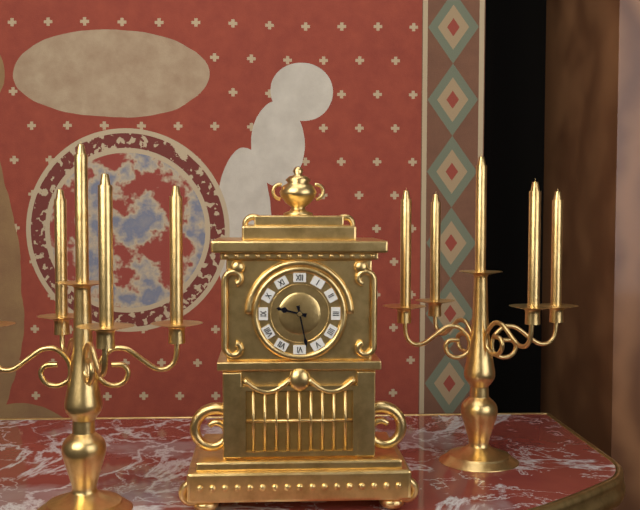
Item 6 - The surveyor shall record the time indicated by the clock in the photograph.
9:28
